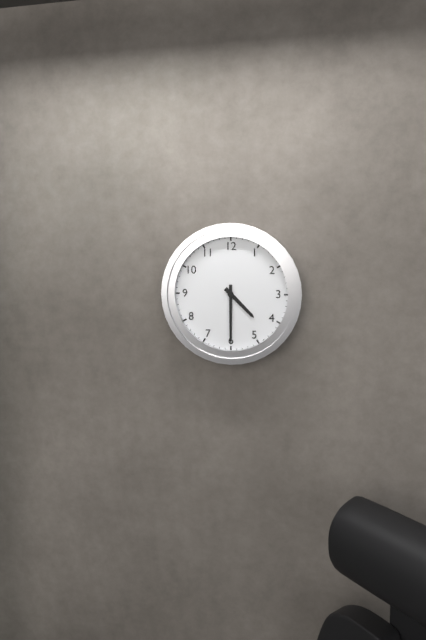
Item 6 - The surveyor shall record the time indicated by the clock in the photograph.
4:30
